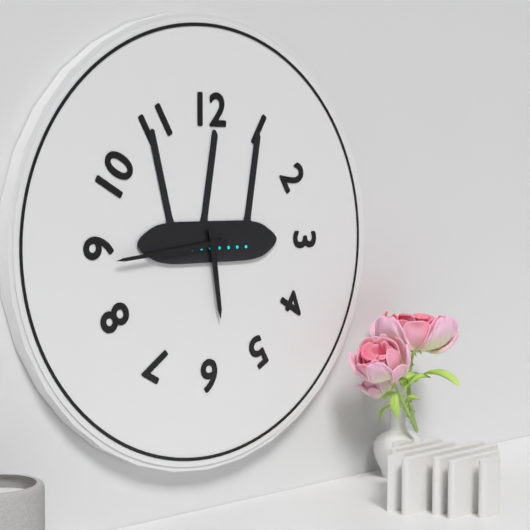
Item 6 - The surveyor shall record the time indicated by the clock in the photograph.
5:44
